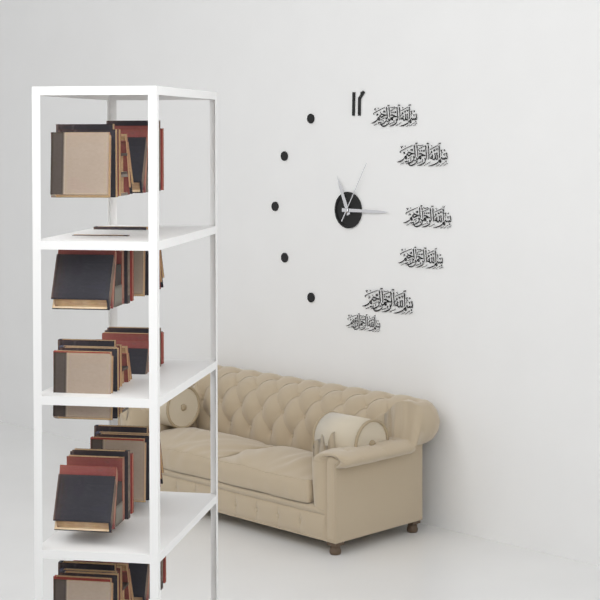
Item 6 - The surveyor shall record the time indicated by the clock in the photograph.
11:15:05
